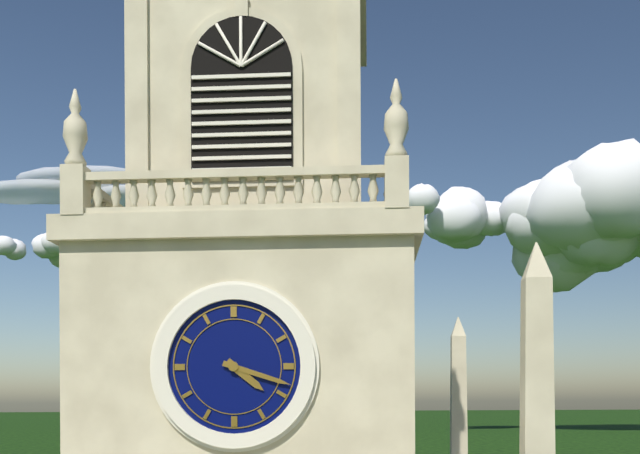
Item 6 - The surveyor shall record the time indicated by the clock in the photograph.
4:18
